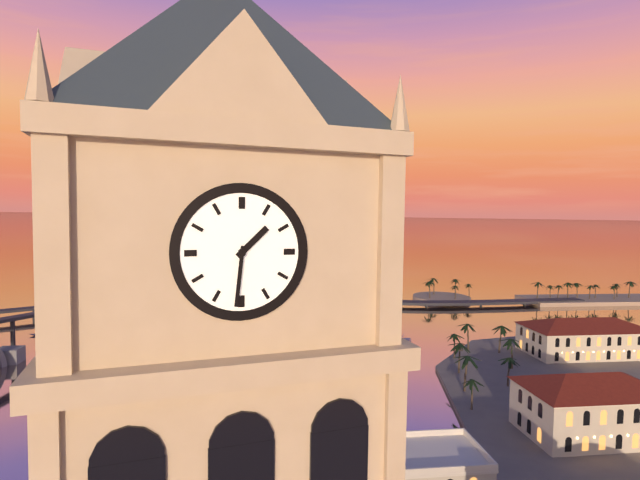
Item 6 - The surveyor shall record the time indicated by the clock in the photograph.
1:31
